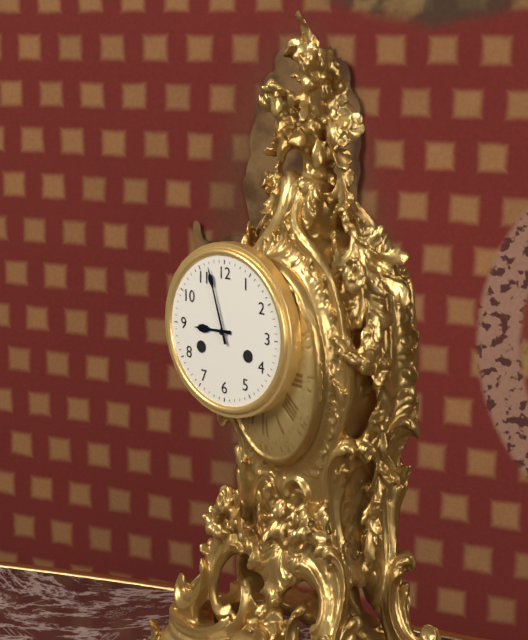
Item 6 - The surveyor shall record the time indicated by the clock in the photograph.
8:57
